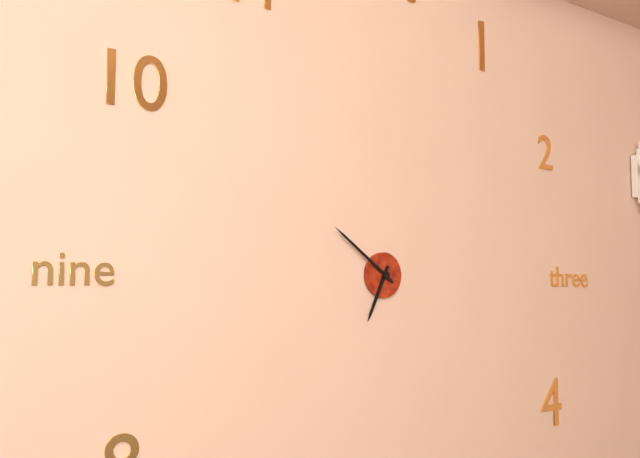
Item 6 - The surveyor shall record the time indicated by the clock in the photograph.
6:51
